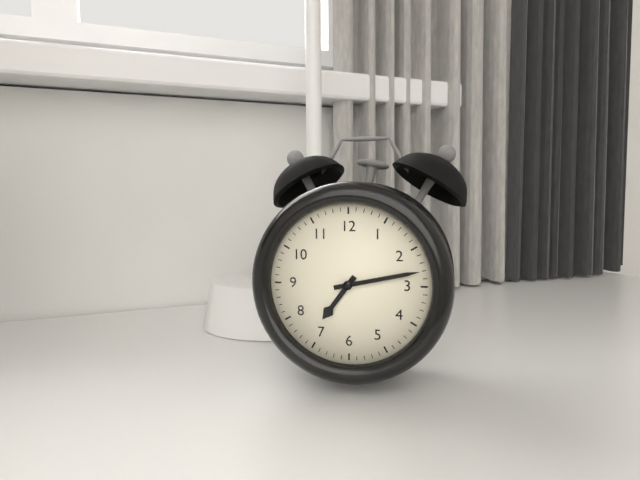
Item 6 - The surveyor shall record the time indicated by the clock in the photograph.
7:13
